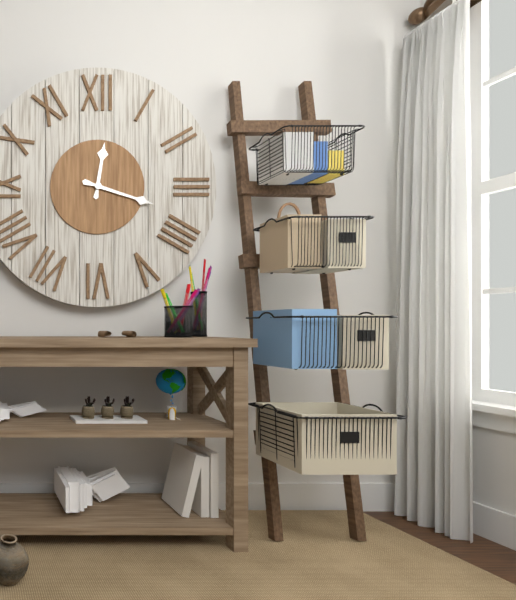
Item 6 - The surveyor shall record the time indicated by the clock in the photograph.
12:18
